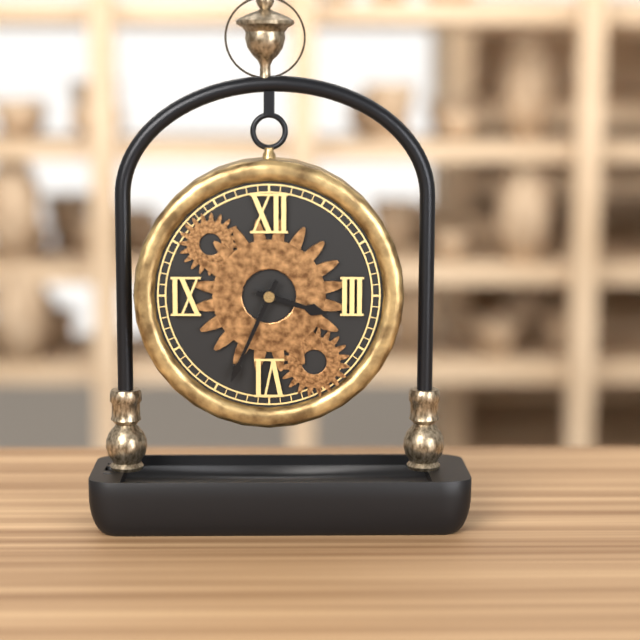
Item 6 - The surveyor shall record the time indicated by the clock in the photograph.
3:34
